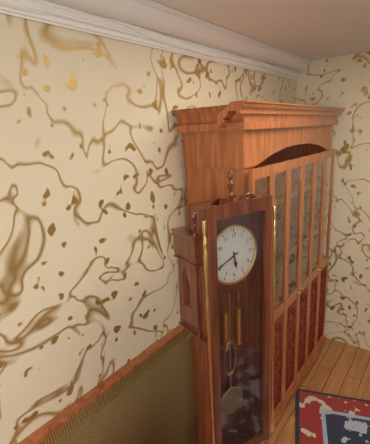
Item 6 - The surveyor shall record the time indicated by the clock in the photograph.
5:41
